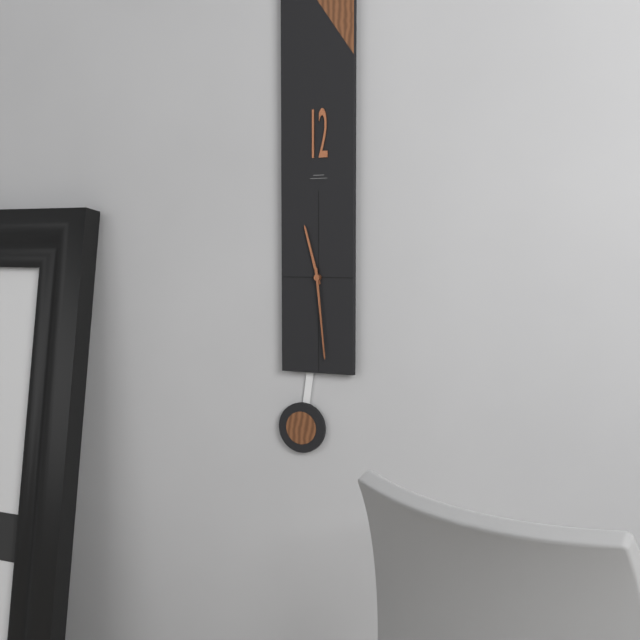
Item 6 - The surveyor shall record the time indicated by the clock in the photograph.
11:29
